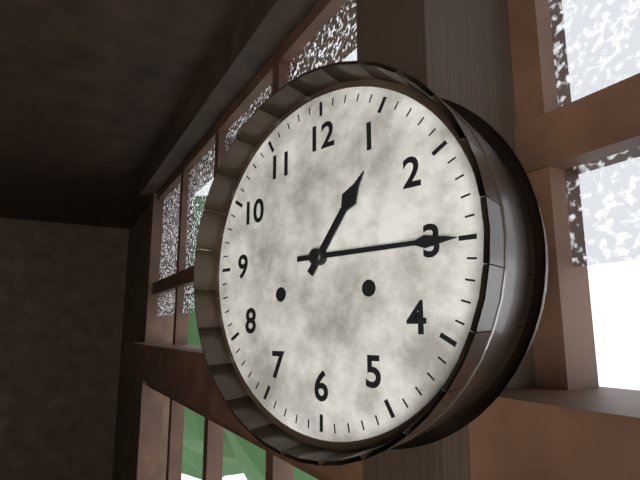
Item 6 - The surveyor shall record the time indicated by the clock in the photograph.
1:15
